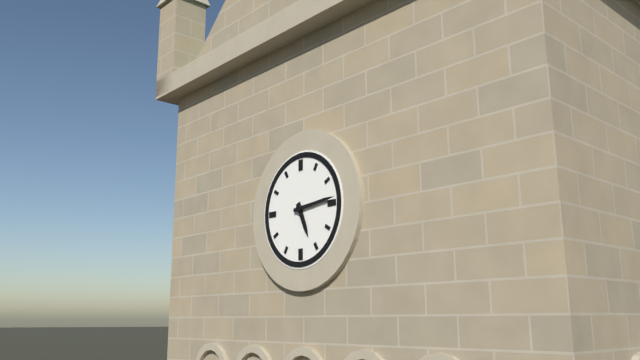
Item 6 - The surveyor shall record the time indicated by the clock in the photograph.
5:14
